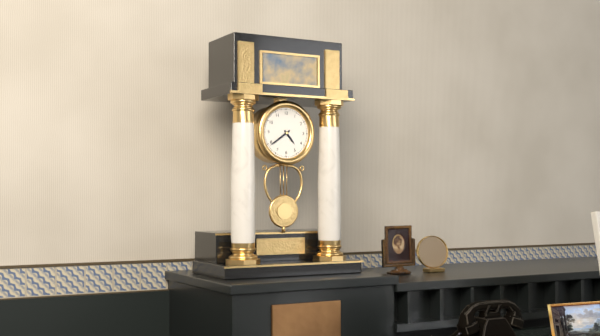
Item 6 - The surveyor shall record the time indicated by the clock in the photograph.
4:39
